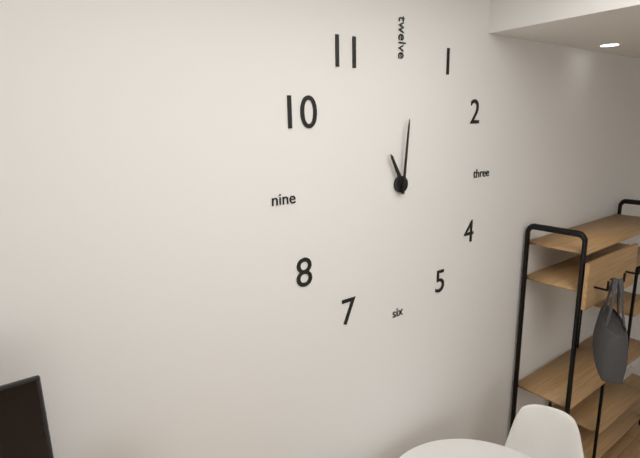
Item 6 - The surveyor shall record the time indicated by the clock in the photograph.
11:01
